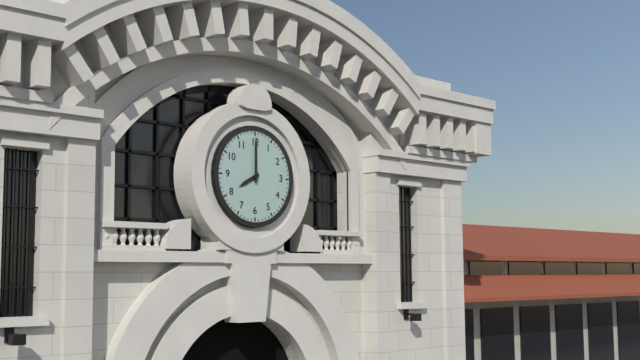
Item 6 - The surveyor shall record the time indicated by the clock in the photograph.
8:00
